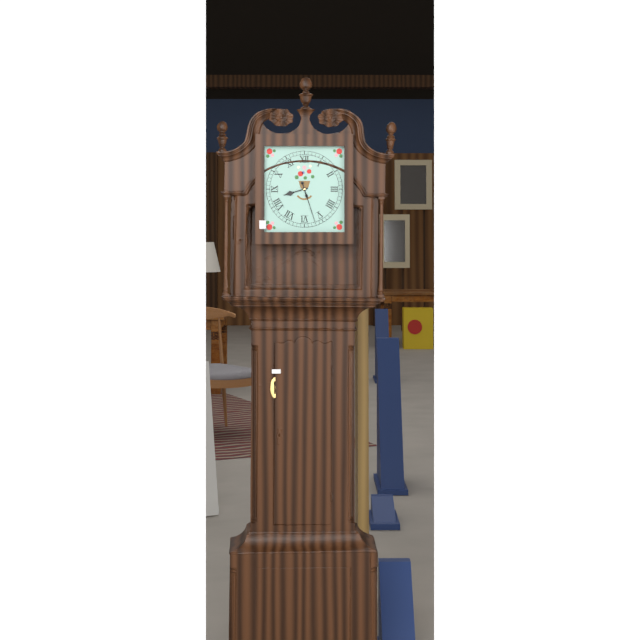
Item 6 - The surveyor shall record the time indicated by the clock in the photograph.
8:27
